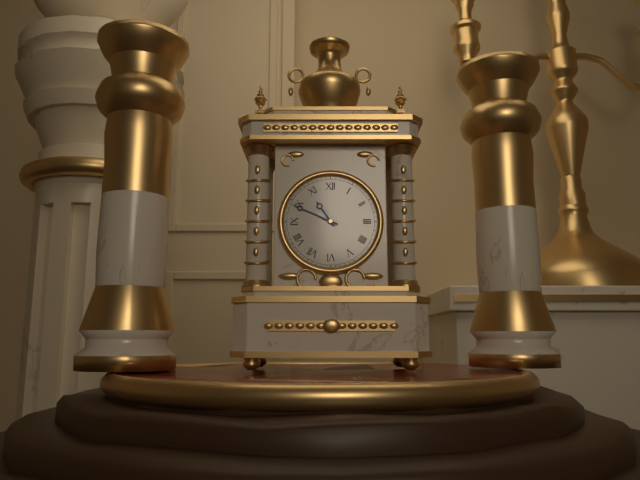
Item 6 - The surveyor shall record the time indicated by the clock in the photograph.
10:49
